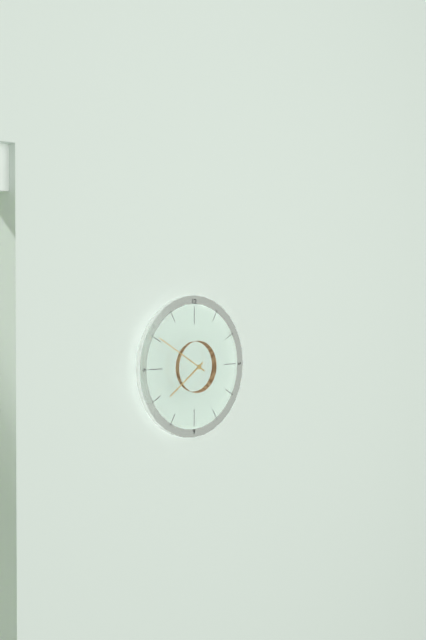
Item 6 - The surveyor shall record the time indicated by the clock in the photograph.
7:50
